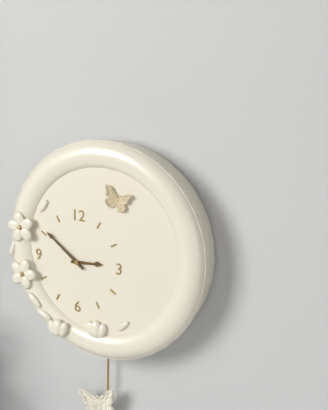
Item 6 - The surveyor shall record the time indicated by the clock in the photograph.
2:51
